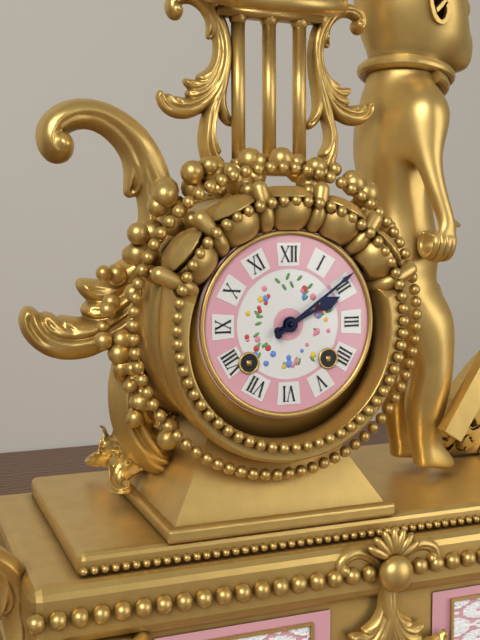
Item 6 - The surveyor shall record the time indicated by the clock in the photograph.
2:09
